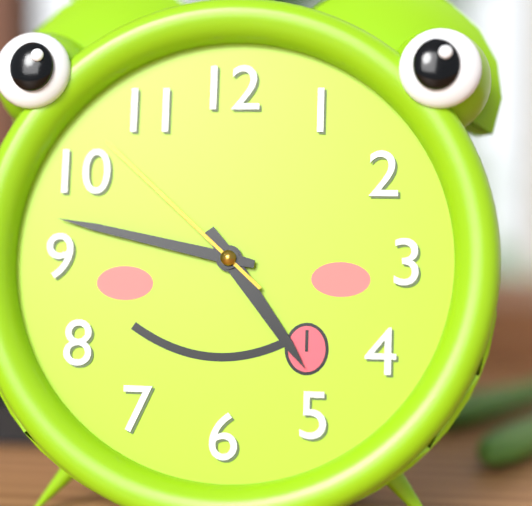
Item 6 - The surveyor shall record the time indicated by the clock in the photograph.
4:47:52
